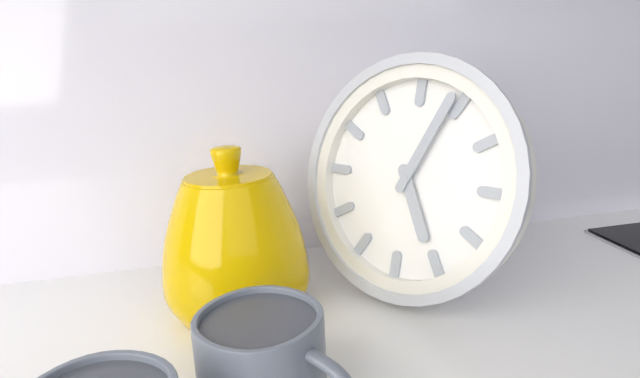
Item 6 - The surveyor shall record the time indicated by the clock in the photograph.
5:04
